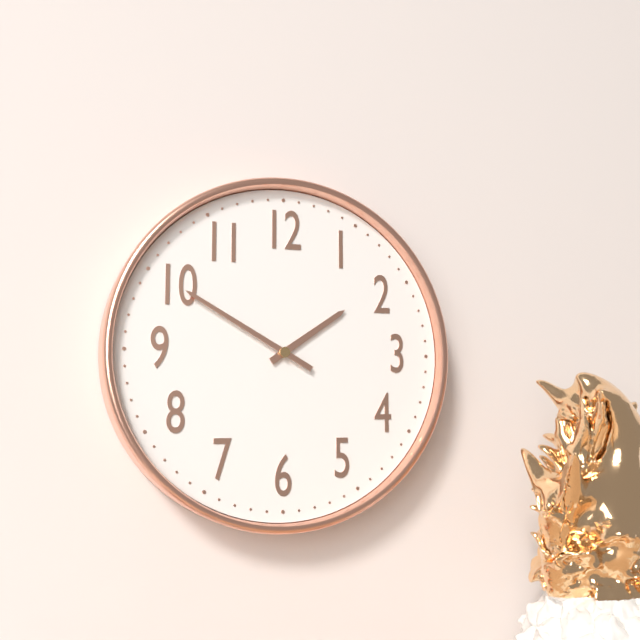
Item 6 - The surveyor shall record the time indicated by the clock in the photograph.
1:50
